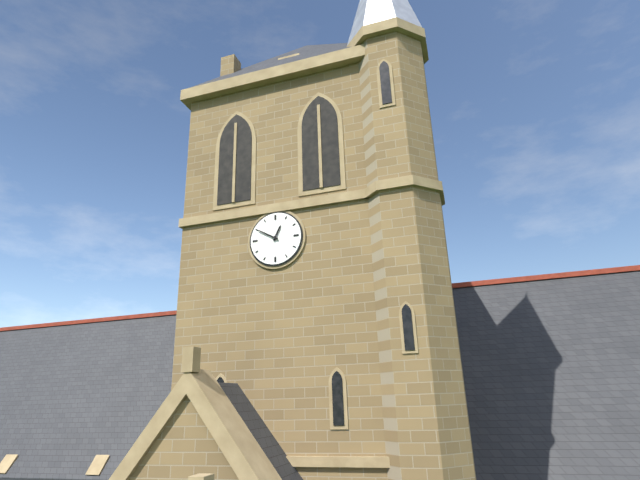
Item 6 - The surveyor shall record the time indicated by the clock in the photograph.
12:50
